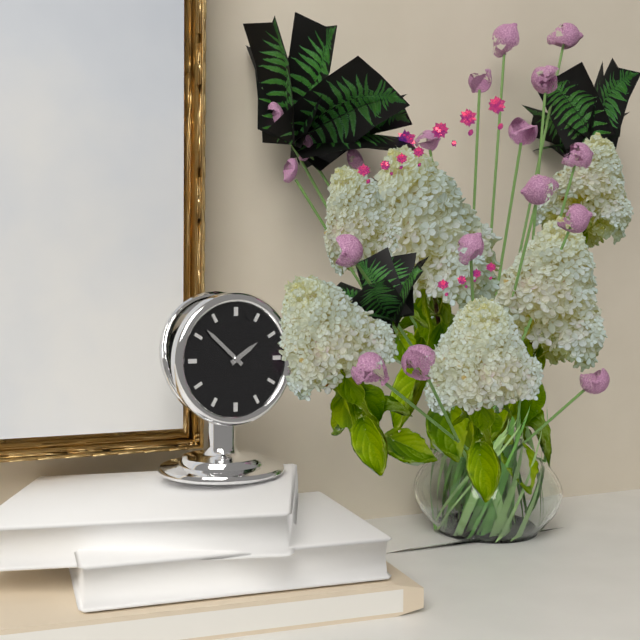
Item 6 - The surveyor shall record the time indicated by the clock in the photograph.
1:52
